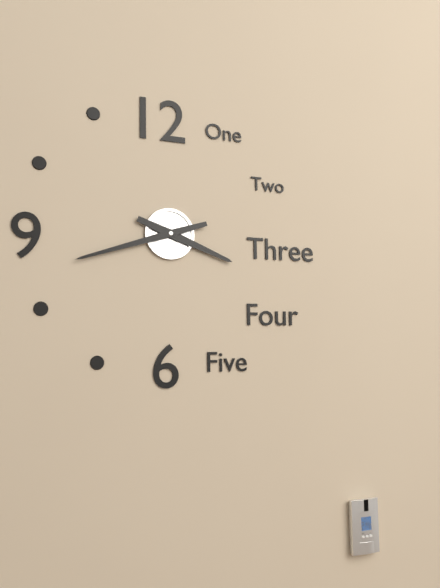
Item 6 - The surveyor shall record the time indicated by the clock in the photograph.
3:42
